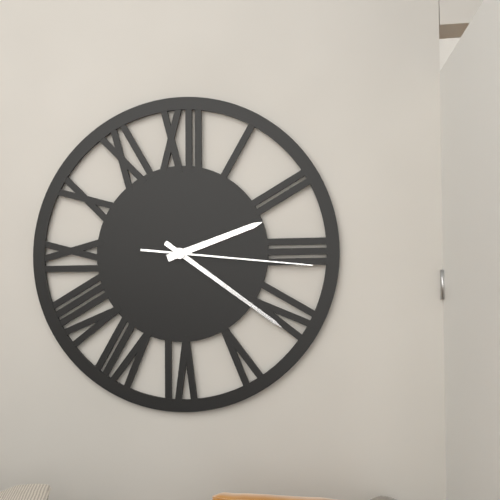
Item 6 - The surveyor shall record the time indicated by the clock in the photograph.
2:21:16
